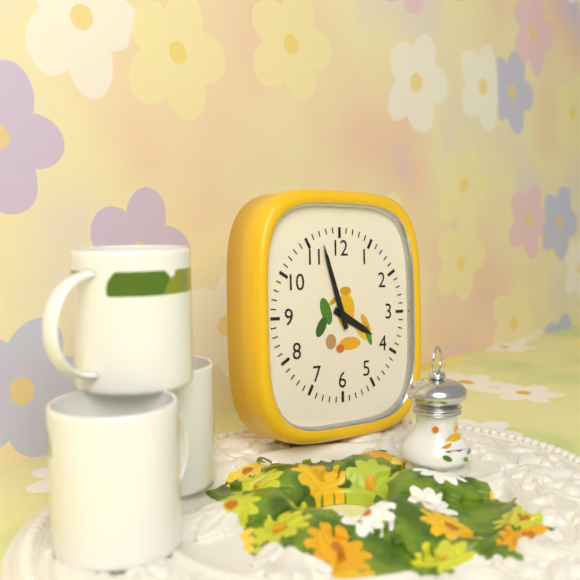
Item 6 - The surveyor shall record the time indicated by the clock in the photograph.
3:57
